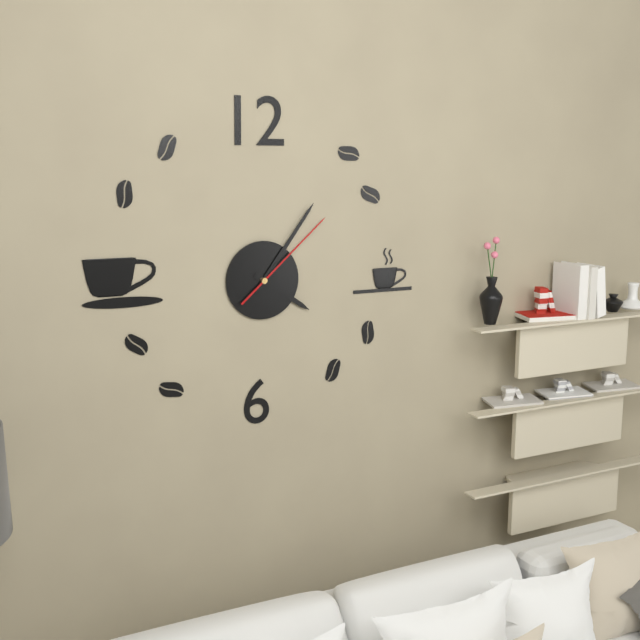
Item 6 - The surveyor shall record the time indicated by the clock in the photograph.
4:06:08
